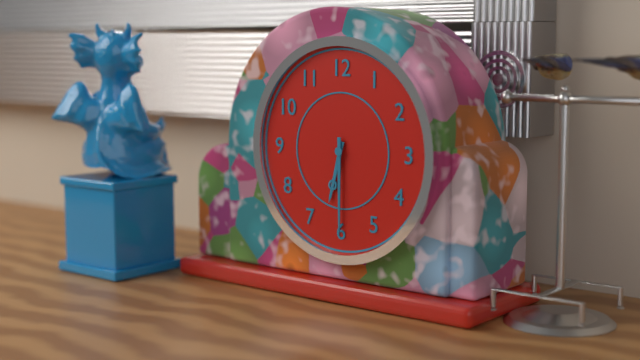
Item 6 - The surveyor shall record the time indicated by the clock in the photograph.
6:30
